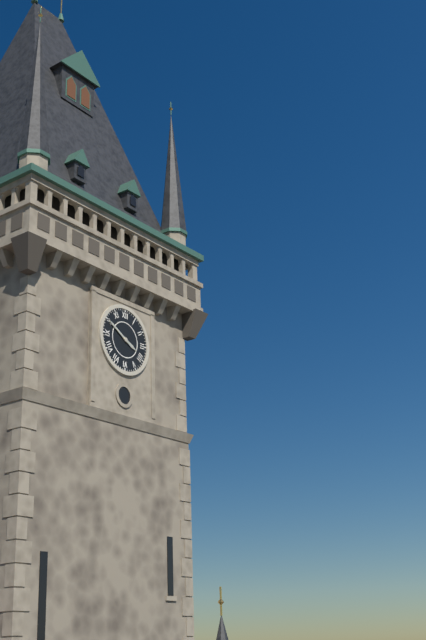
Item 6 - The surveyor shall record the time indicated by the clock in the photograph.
3:50
